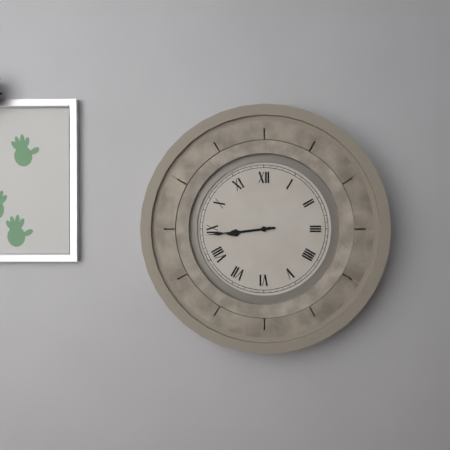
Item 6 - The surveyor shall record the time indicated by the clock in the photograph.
8:44
